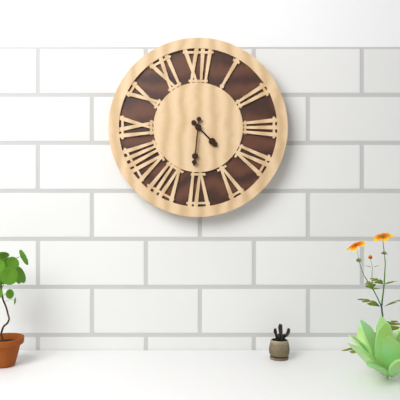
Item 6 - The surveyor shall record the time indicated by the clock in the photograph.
4:31
